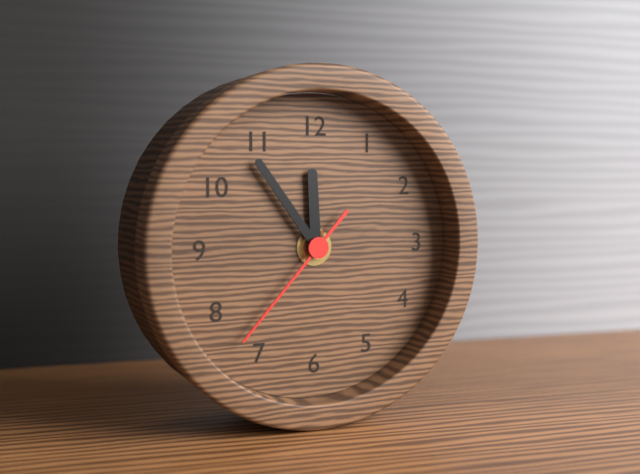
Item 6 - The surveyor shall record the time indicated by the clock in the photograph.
11:54:37
